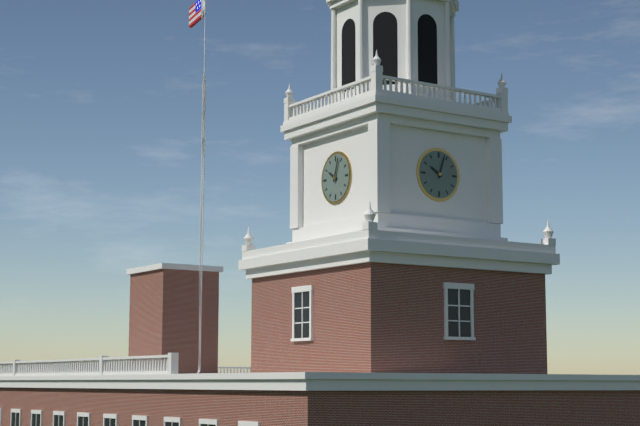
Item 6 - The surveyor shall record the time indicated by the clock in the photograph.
10:03
